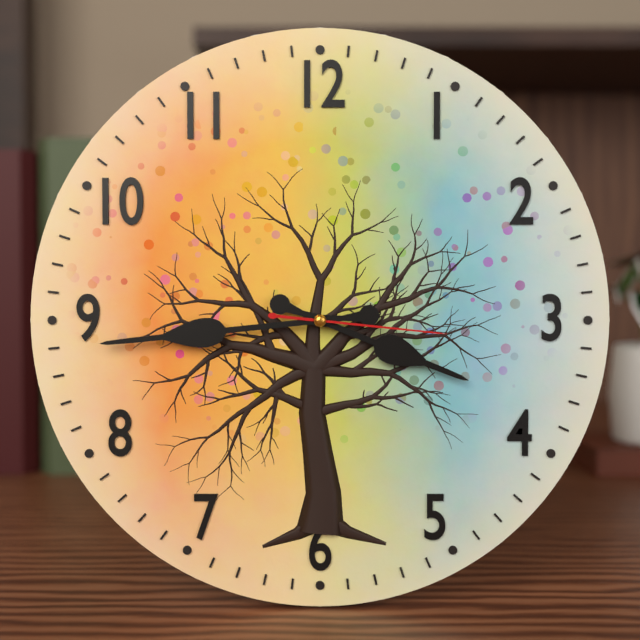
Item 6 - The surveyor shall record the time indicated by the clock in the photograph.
3:44:16
